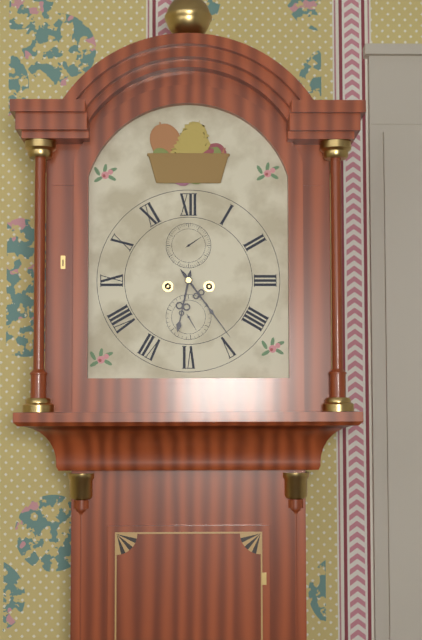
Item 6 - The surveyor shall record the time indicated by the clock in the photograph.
6:24
